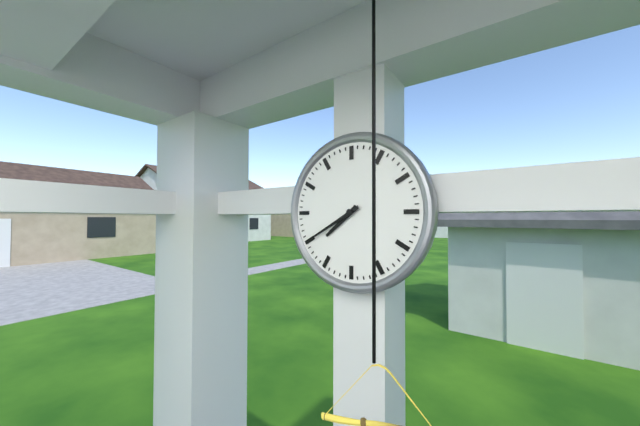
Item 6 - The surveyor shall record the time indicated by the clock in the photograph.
7:40
